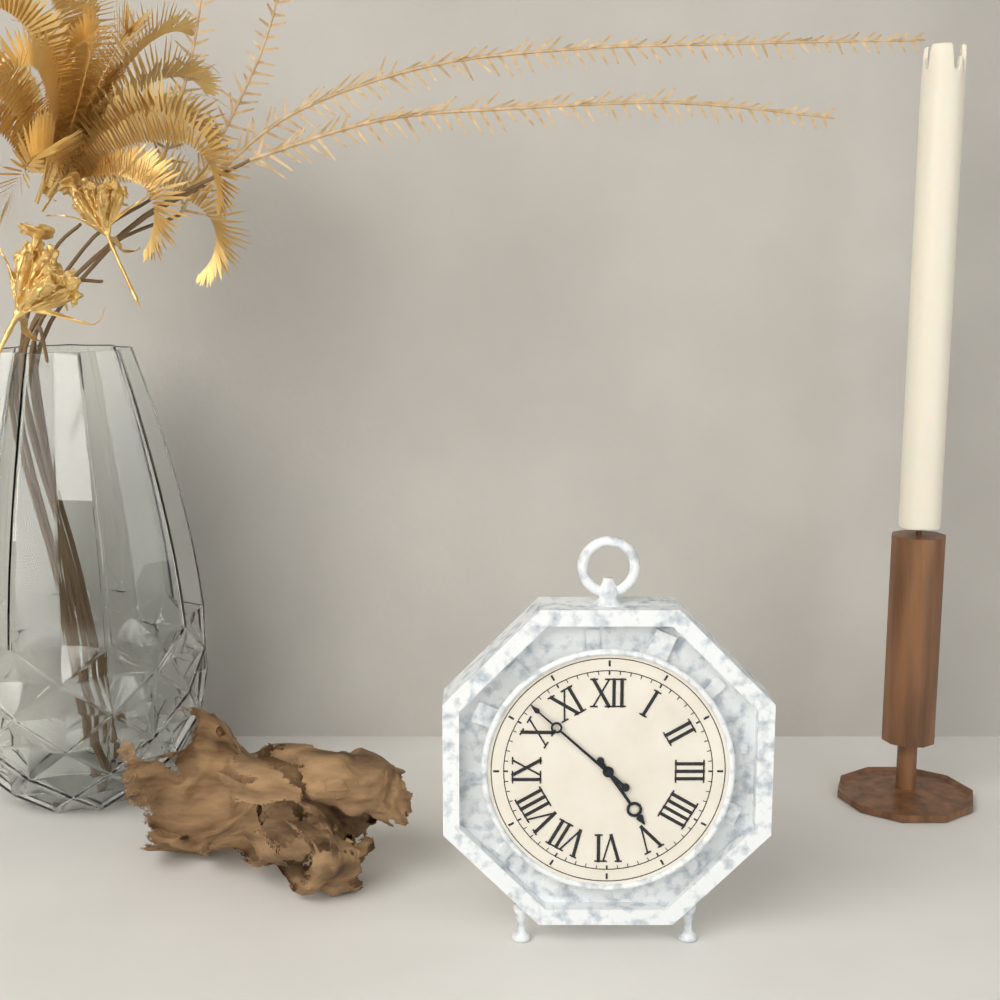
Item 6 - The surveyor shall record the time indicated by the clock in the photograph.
4:52
